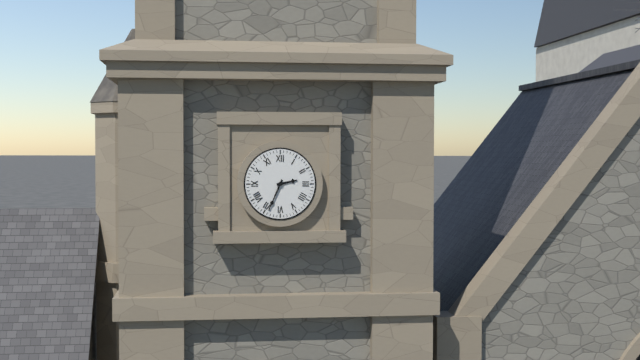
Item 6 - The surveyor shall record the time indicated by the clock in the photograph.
2:34
